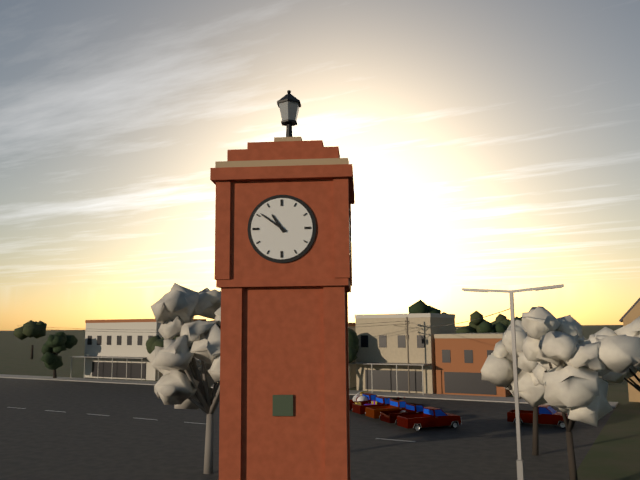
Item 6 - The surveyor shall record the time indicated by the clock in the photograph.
10:51
